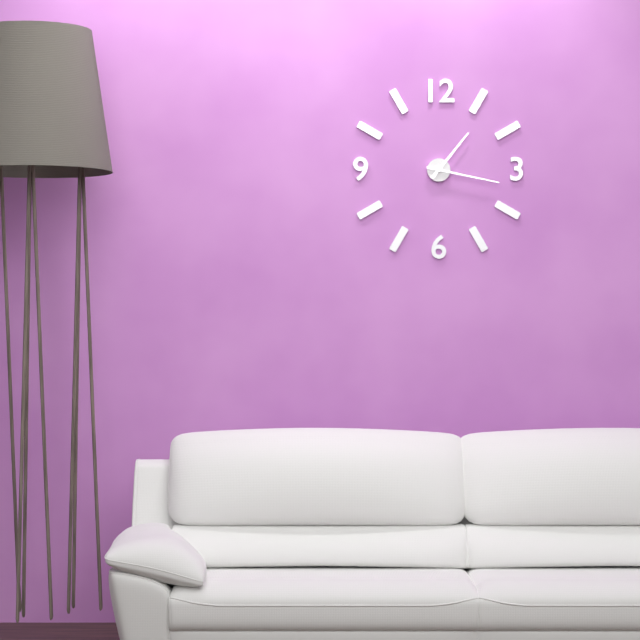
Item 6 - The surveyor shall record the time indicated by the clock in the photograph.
1:17
